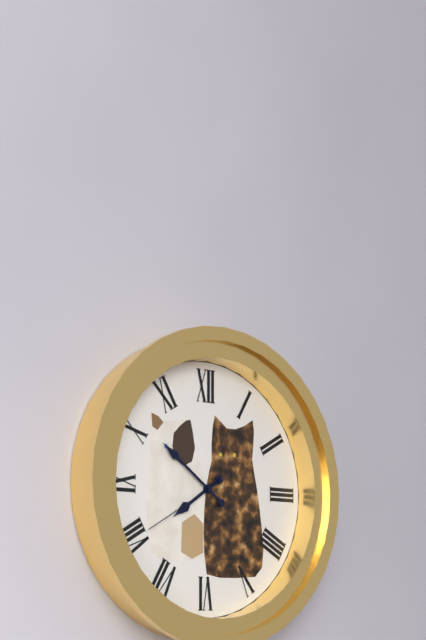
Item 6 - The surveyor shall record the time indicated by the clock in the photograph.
7:51:40
